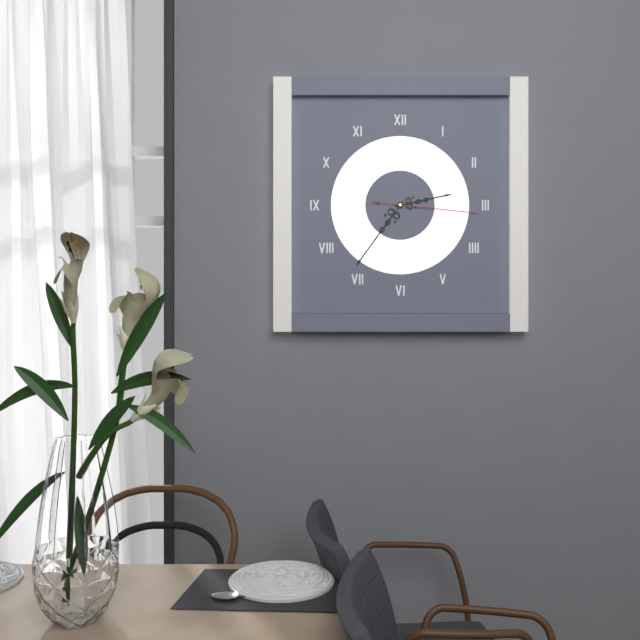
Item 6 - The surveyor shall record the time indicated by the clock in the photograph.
2:36:16
